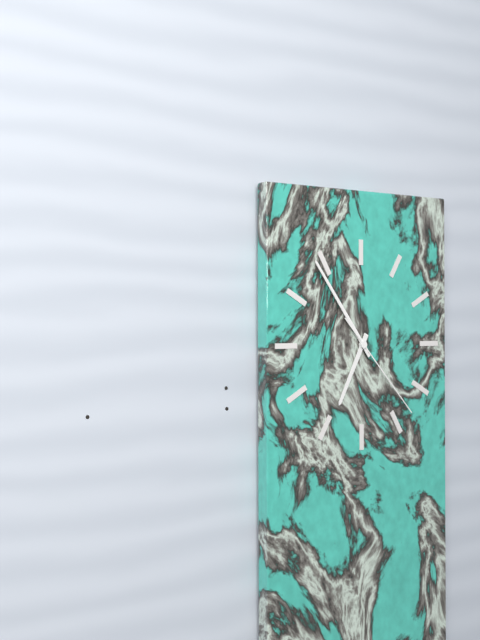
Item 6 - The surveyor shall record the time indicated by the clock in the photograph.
6:54:23
